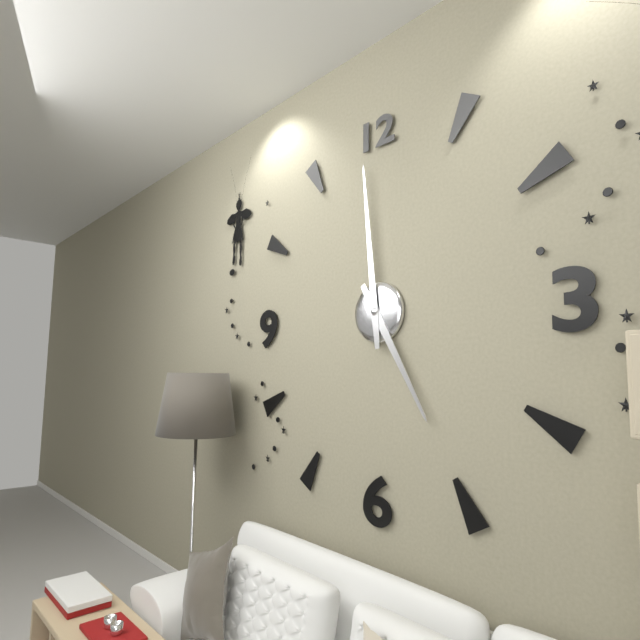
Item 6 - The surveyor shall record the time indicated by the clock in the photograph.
4:59
